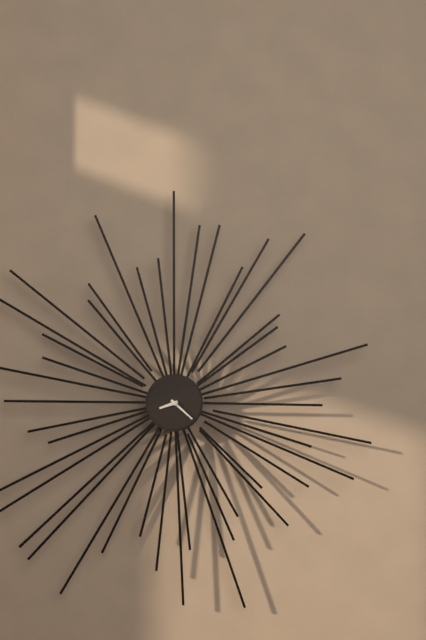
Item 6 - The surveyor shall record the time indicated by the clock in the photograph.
8:22
